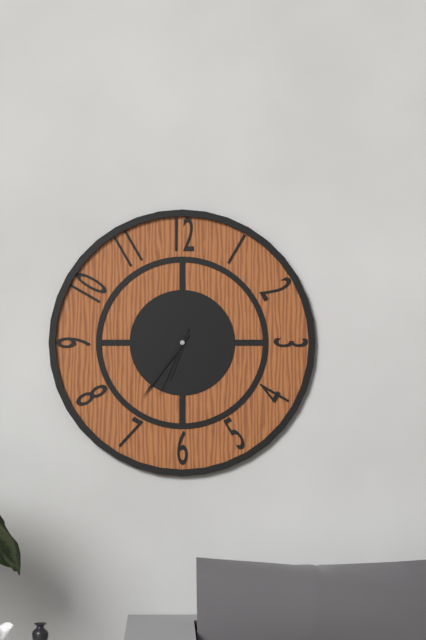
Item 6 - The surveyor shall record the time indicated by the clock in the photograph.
6:36:34
